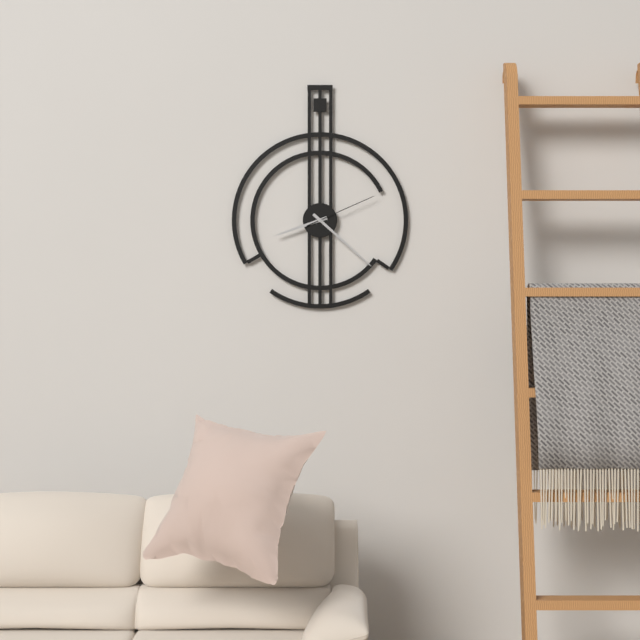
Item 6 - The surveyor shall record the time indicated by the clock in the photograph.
8:22:11
